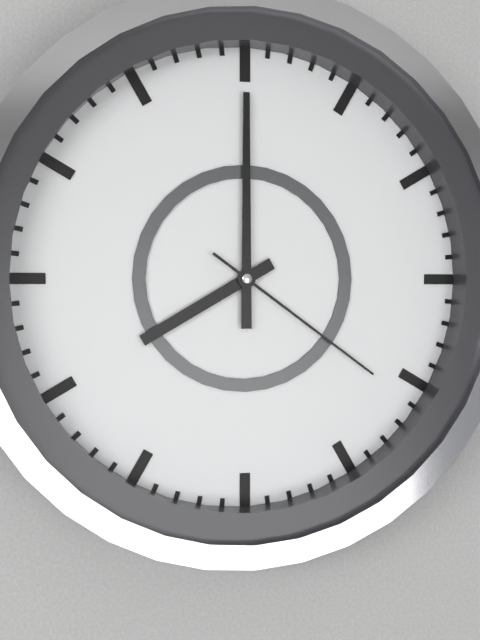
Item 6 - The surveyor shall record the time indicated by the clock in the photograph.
8:00:21
